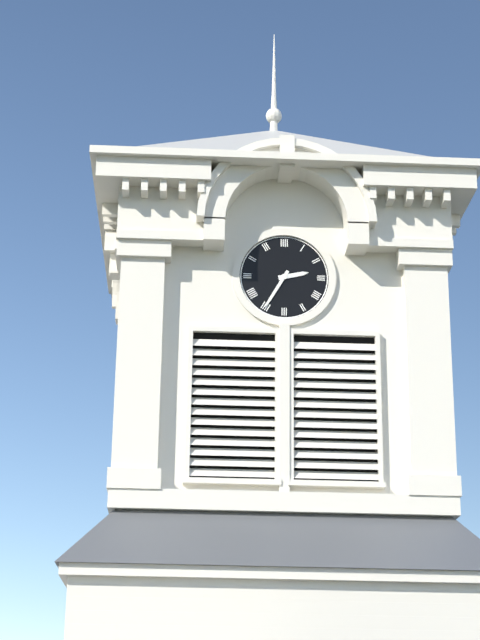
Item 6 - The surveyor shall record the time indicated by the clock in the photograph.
2:35
